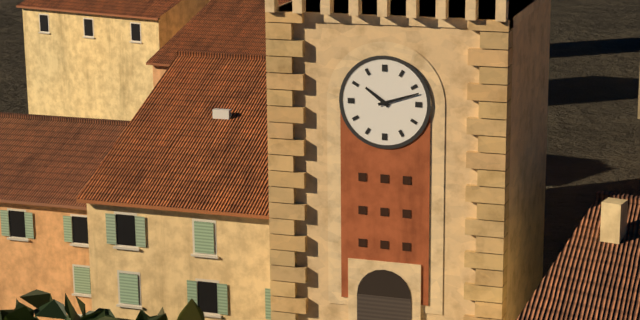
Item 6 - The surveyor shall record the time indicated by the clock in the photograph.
10:12
